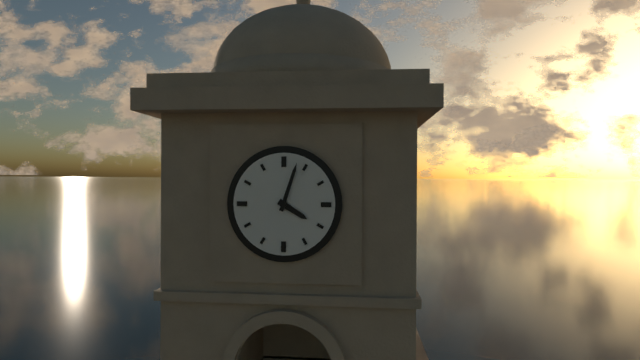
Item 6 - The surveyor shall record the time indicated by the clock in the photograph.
4:03
